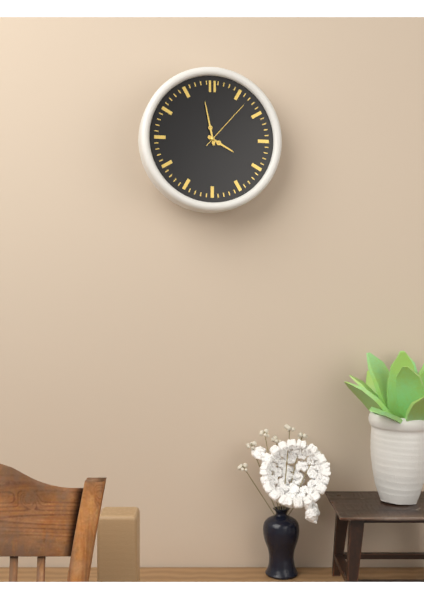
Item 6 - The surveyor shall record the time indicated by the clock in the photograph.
3:58:07
